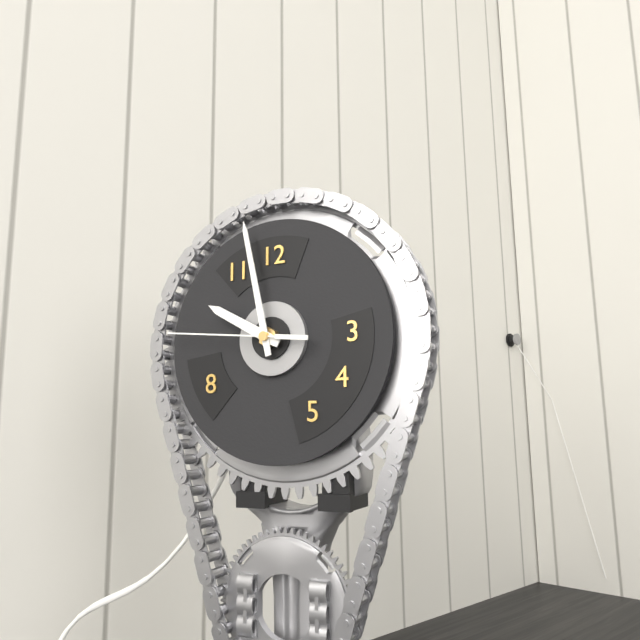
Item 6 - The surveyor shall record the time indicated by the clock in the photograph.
9:58:46
